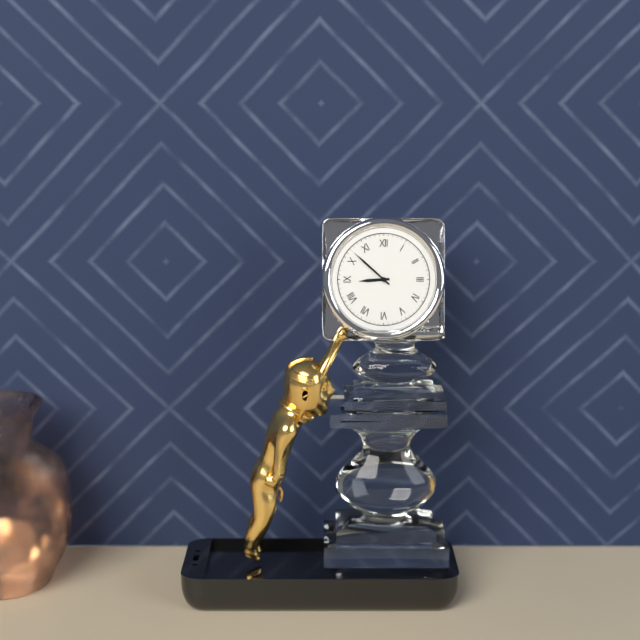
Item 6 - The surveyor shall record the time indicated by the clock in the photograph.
8:52
